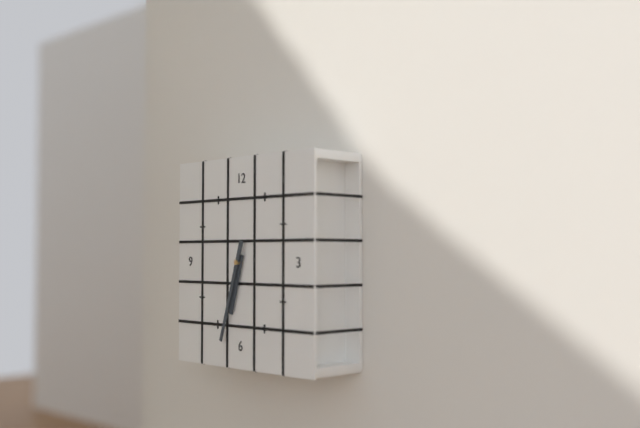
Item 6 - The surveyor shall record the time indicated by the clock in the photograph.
6:33
